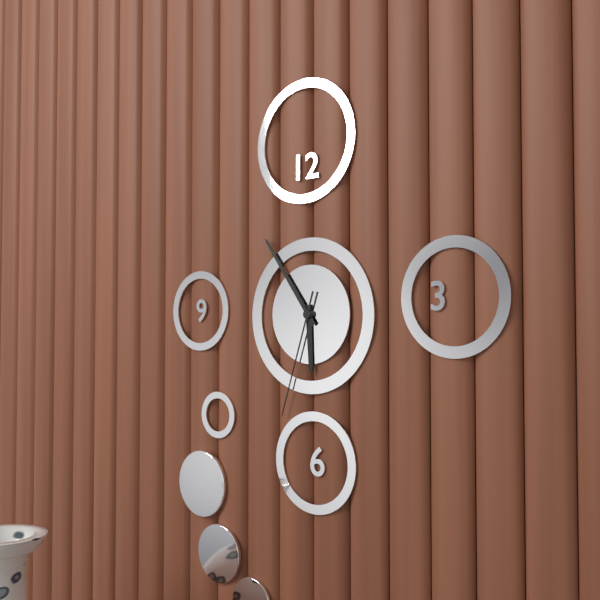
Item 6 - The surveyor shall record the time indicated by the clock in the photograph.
5:54:33
